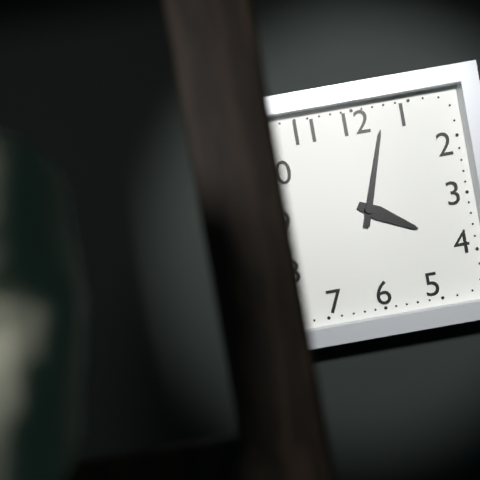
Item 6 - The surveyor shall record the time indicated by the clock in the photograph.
4:03
